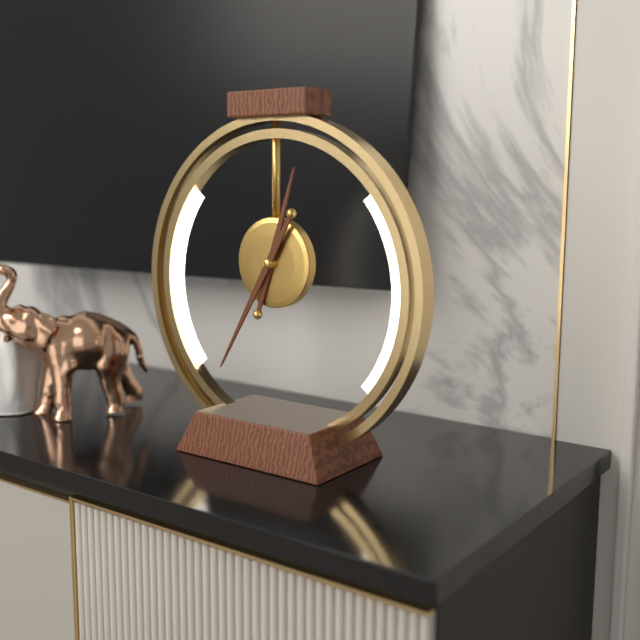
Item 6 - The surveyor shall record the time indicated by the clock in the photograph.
12:35
